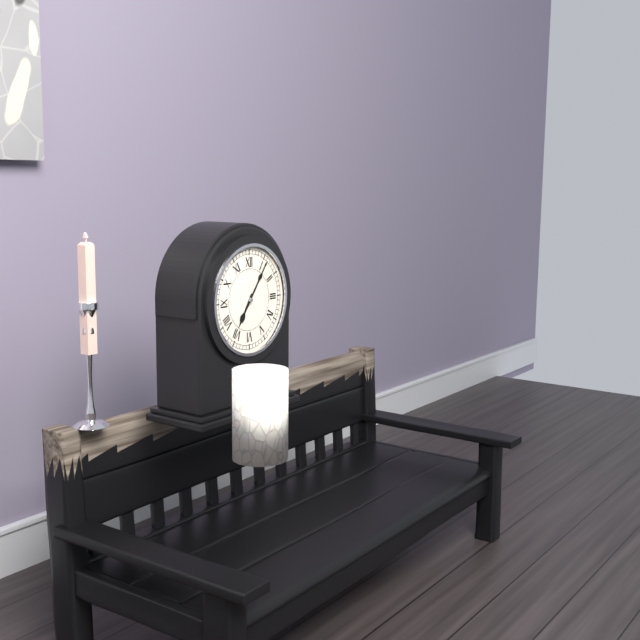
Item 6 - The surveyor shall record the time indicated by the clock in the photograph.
7:06
